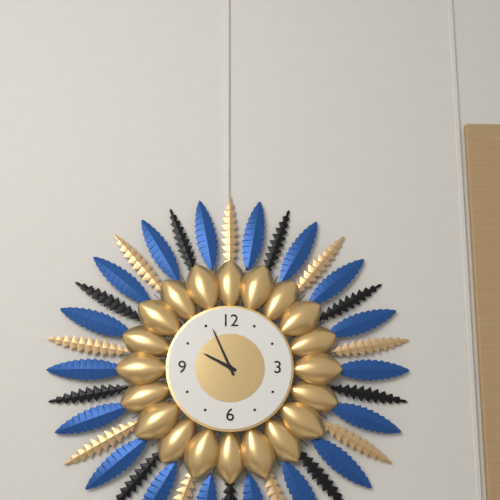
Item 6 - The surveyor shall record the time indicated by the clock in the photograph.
9:56
